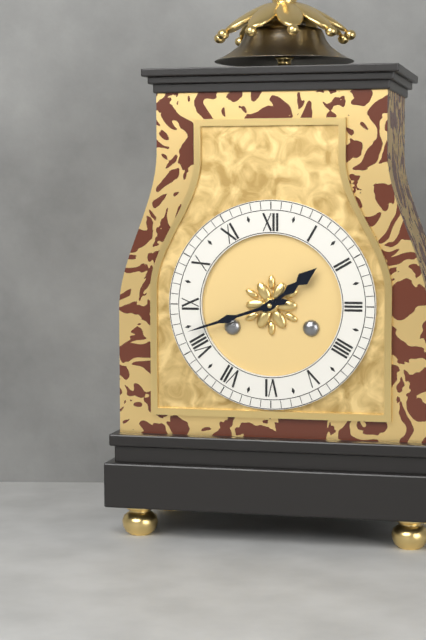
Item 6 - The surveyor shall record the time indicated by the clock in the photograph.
1:42
